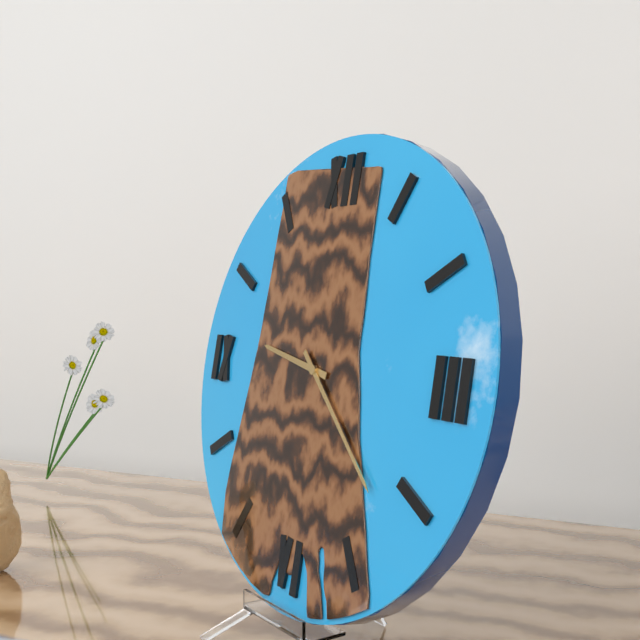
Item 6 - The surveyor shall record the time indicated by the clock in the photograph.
9:22
